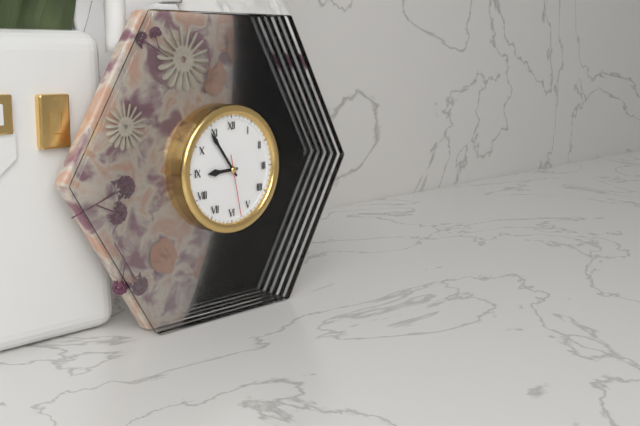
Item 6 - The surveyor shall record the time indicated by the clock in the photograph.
8:54:28
